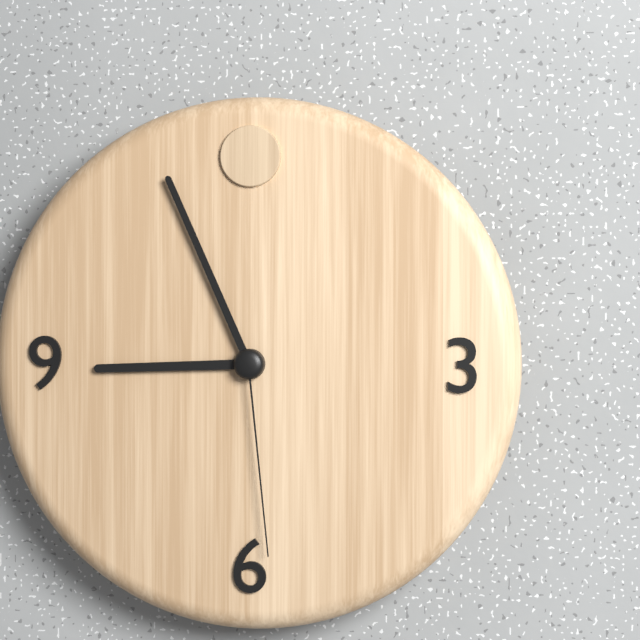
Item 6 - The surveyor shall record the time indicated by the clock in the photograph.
8:56:29
